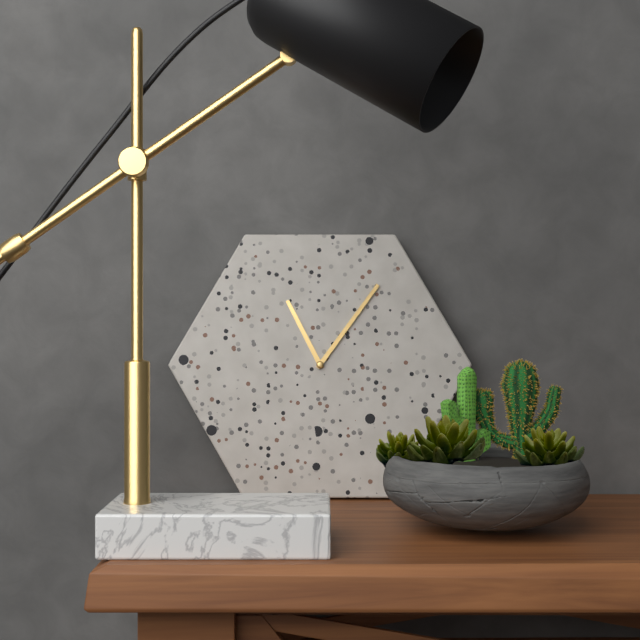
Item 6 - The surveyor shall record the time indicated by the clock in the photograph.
11:06
